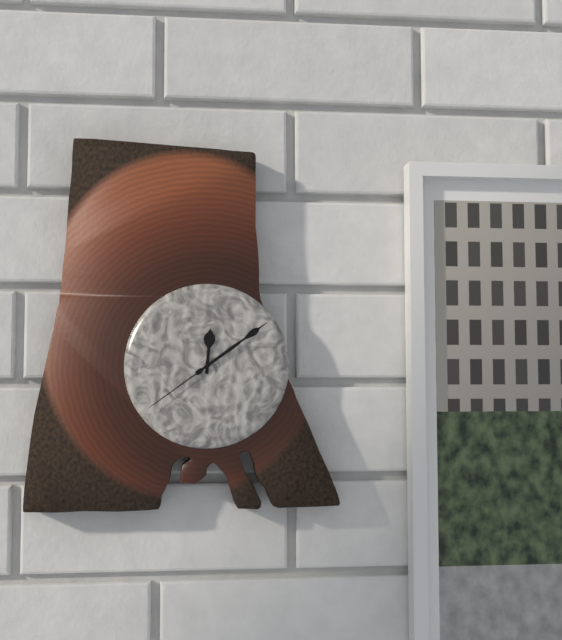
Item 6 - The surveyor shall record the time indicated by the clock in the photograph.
12:09:39
